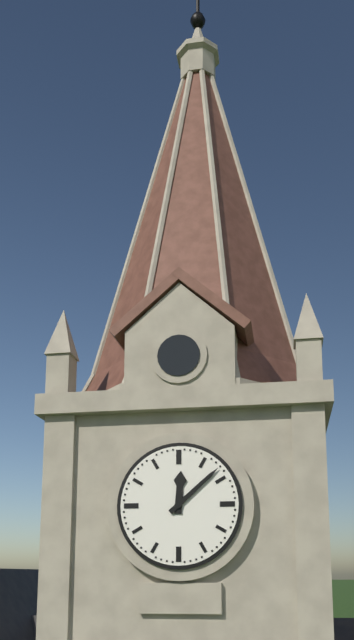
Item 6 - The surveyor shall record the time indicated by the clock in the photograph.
12:08
